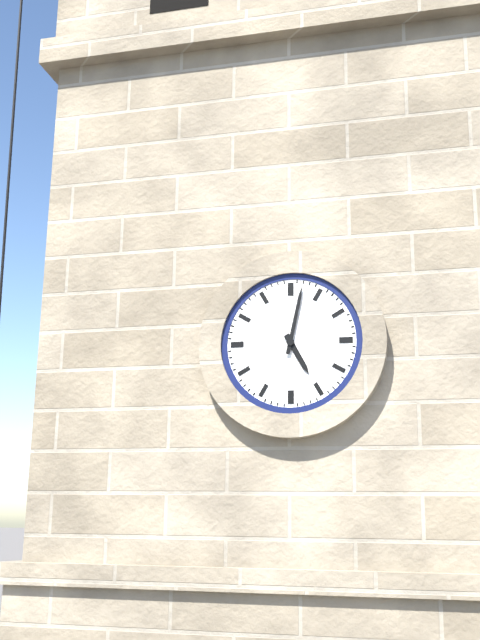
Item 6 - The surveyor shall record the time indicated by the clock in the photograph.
5:02
